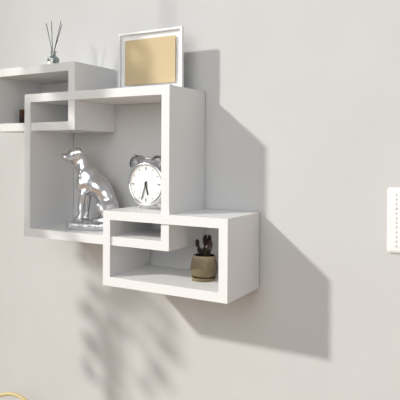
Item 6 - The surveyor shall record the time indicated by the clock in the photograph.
5:33
